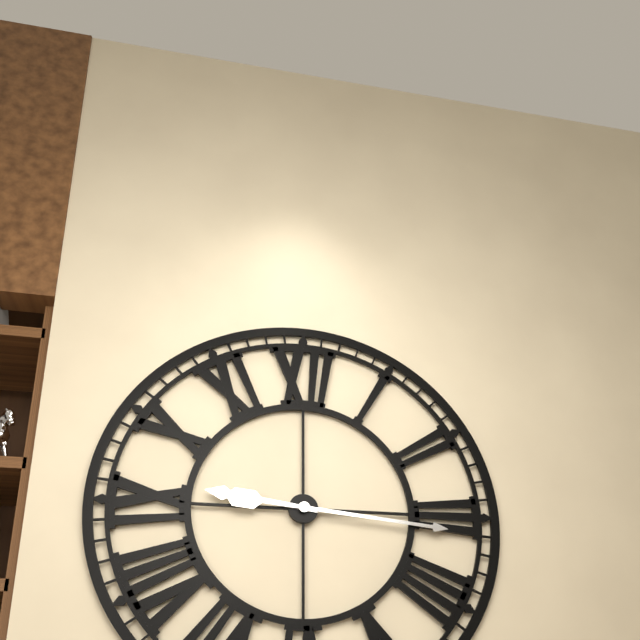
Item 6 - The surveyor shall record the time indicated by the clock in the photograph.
9:16
